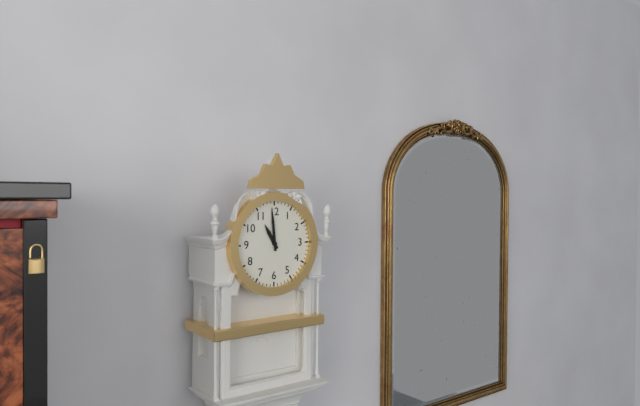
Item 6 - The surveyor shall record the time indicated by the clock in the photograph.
10:59
